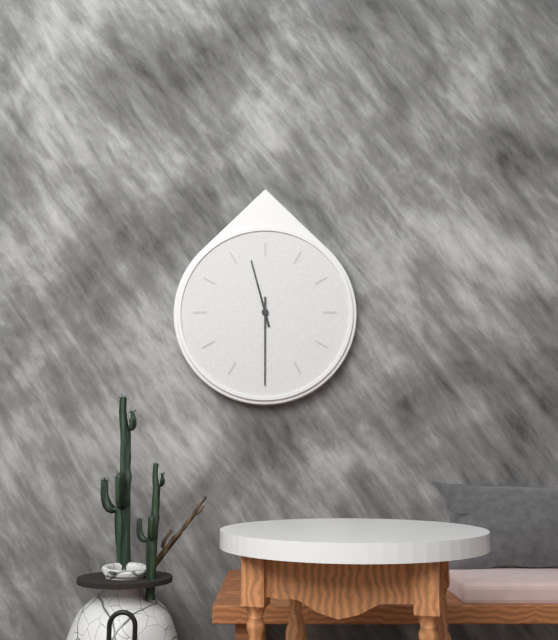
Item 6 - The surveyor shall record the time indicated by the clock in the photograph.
11:30
